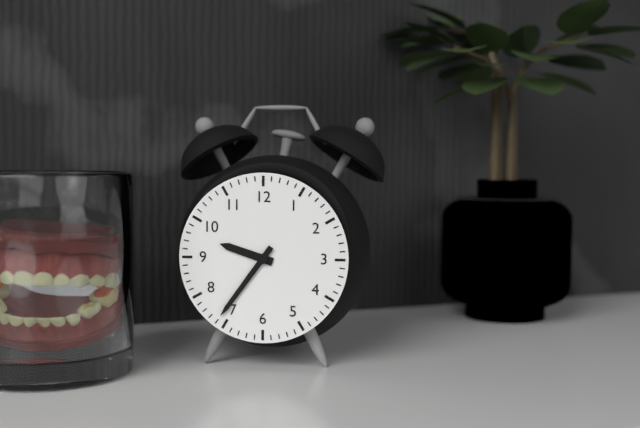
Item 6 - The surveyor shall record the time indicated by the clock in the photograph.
9:36
